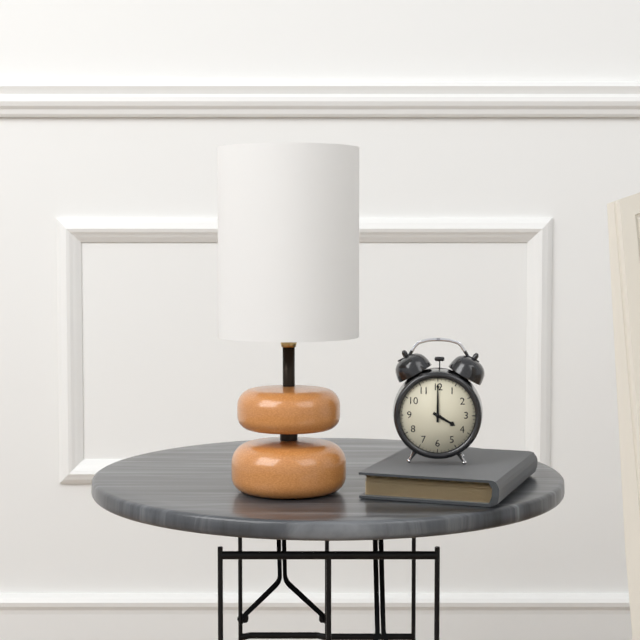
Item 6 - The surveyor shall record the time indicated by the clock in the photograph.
4:00
